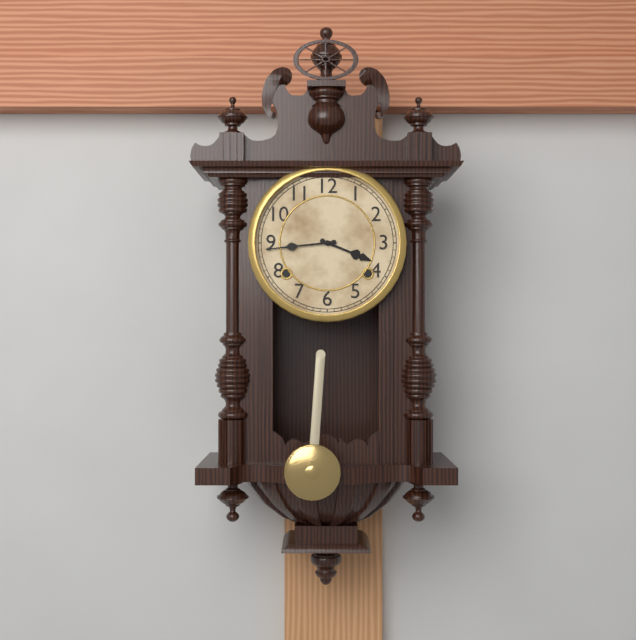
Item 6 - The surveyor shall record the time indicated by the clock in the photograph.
3:44
